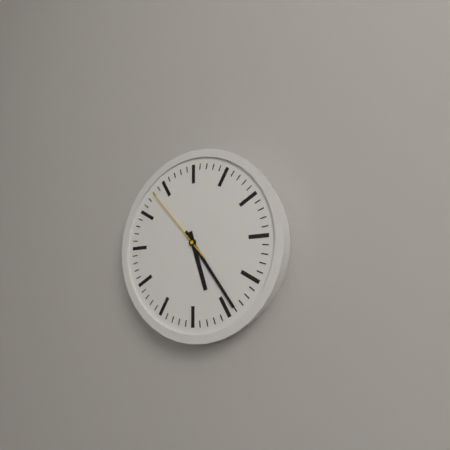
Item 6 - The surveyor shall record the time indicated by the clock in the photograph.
5:24:53
